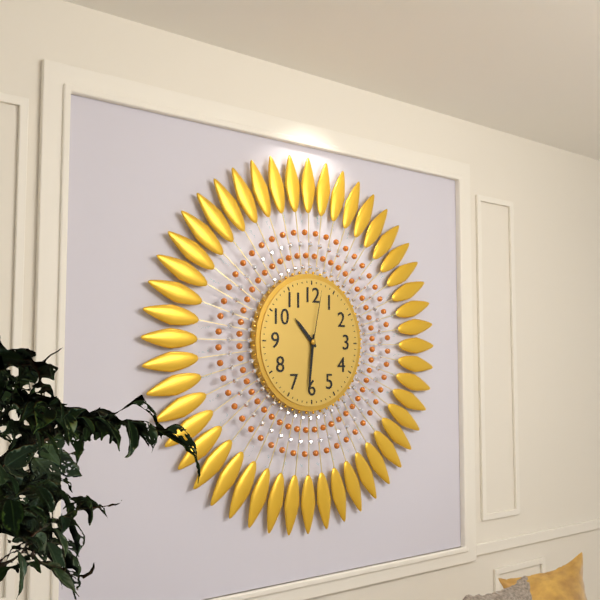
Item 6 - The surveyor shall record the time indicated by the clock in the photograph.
10:31:02
